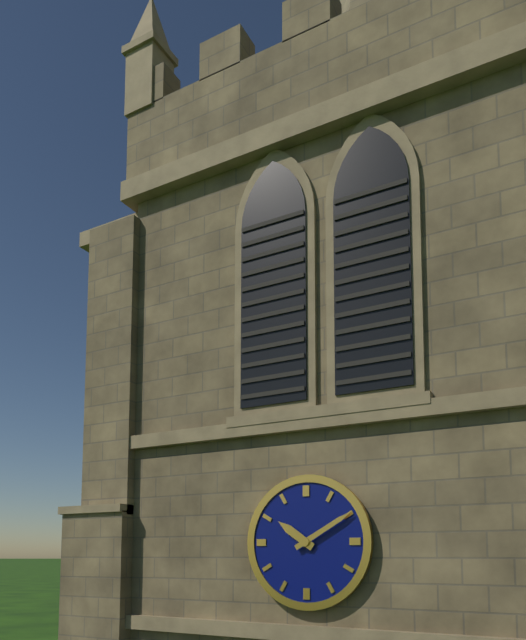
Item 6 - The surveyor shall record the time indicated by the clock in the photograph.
10:10
